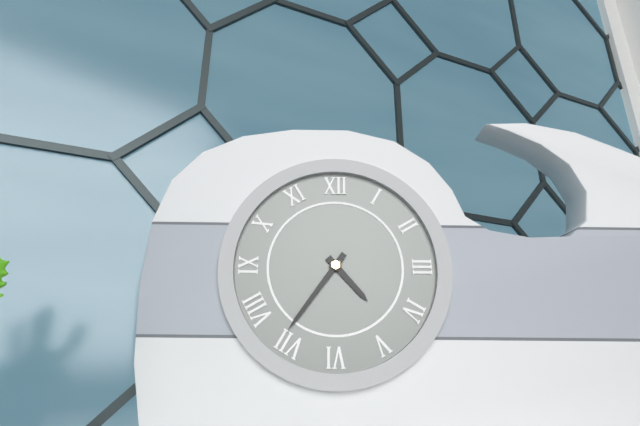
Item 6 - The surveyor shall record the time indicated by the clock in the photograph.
4:36
